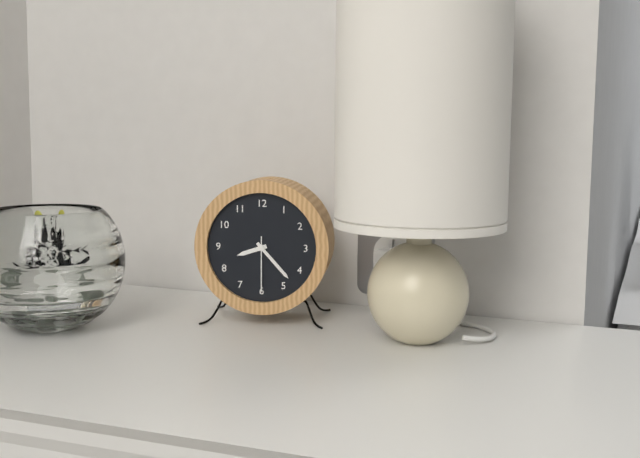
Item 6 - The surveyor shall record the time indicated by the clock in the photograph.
8:23:30
